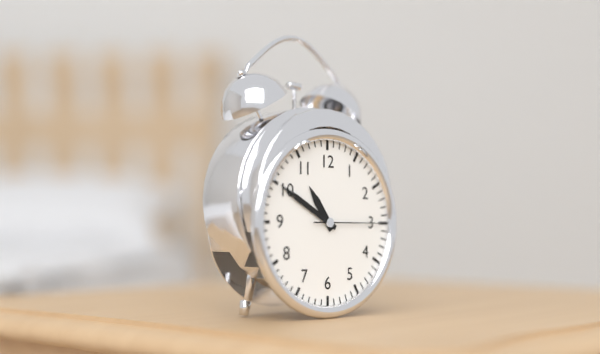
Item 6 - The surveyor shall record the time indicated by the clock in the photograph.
10:50:15
